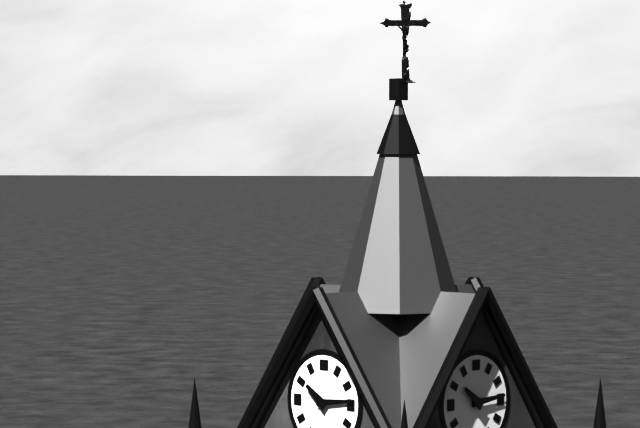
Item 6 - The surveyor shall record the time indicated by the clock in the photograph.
10:14
